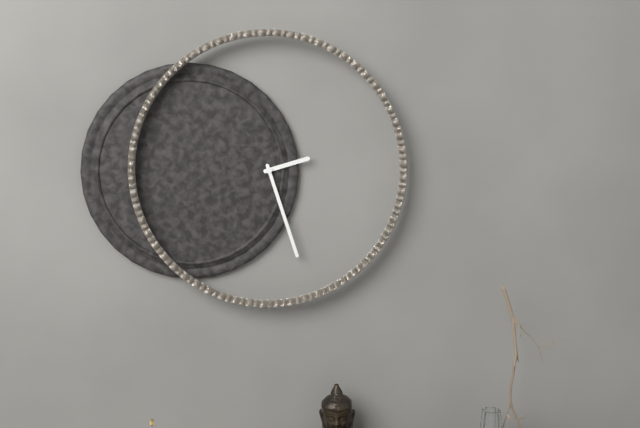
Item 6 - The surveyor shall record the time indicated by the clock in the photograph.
2:27
